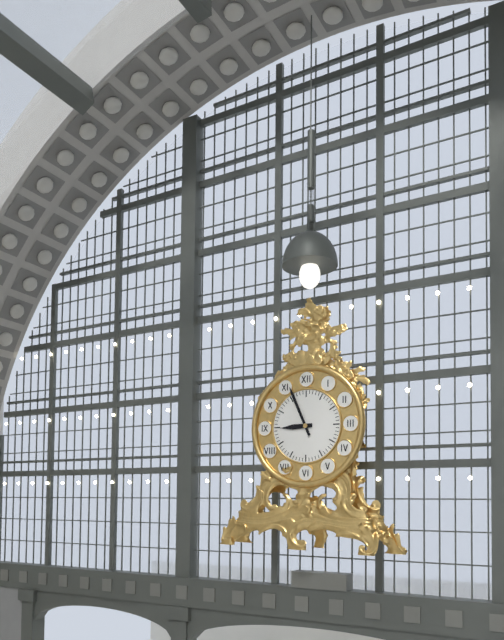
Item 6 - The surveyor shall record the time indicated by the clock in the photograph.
8:56
